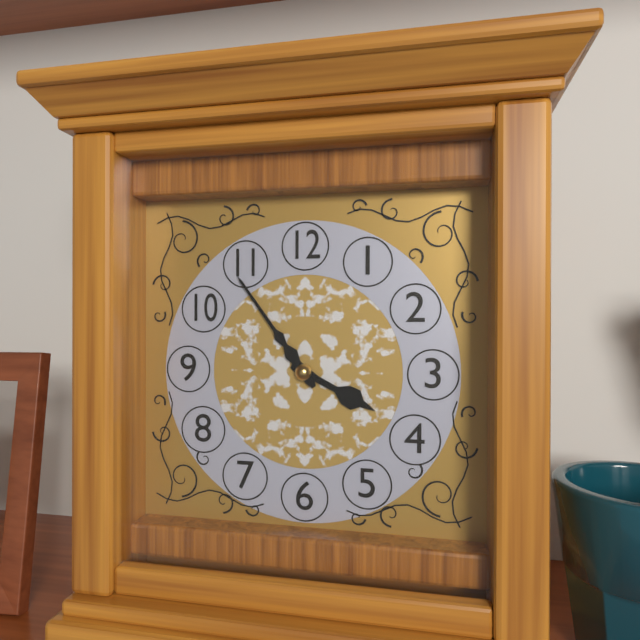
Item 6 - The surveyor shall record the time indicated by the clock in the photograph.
3:54
